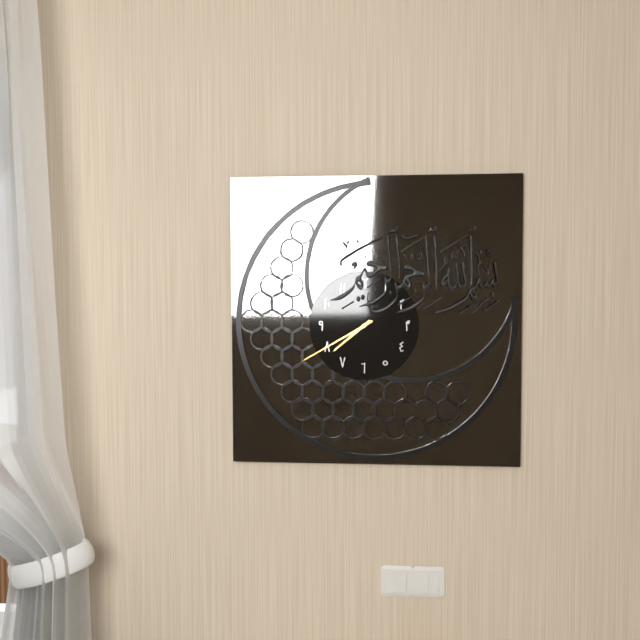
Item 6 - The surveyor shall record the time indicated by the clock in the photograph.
7:40
